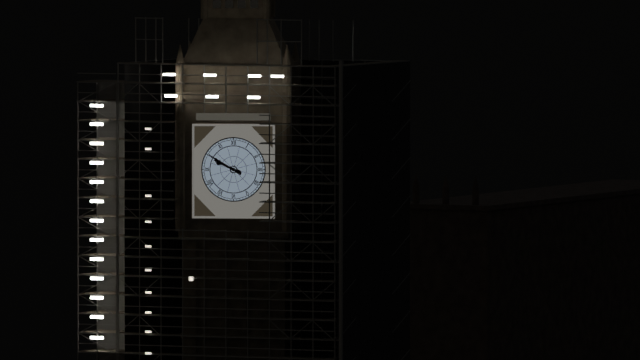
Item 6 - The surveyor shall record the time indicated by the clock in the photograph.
9:50
